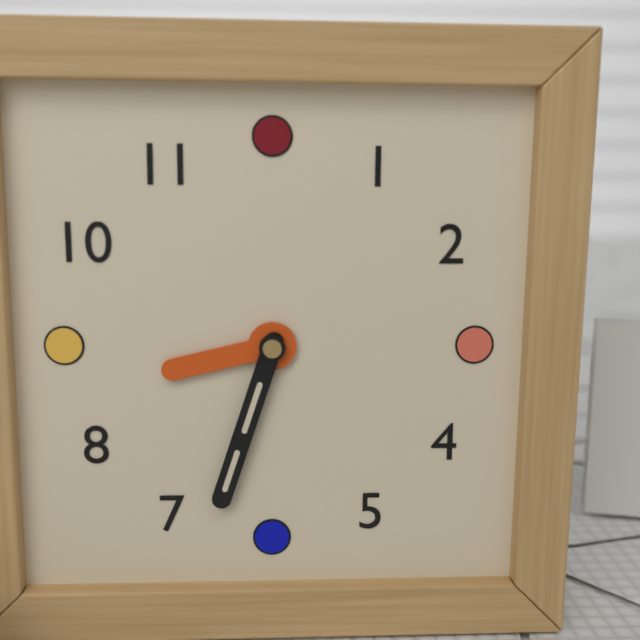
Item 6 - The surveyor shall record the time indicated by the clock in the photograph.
8:33
